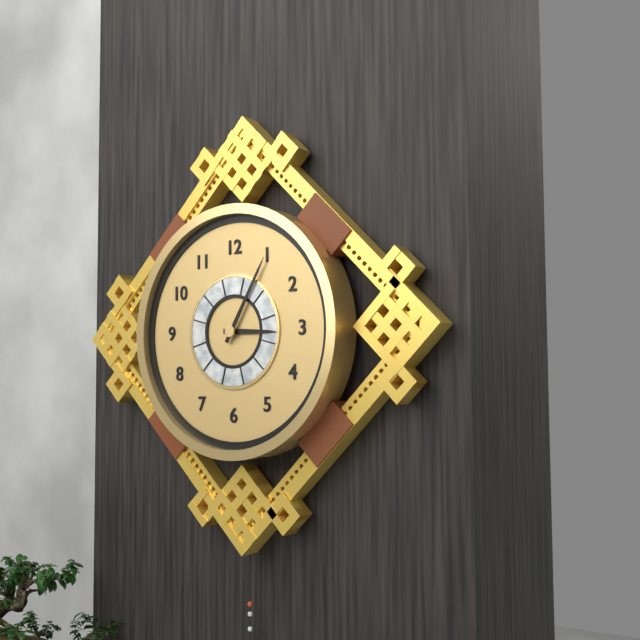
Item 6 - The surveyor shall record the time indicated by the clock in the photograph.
3:05
